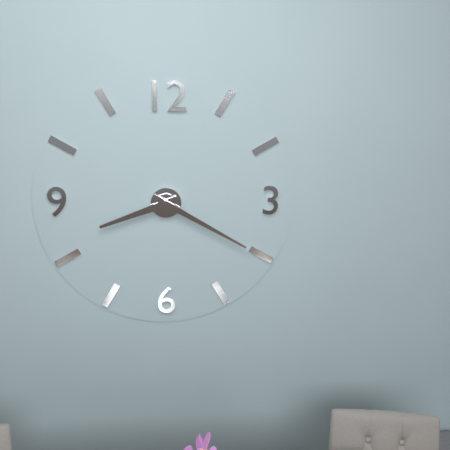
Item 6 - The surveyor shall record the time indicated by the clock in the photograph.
8:20
